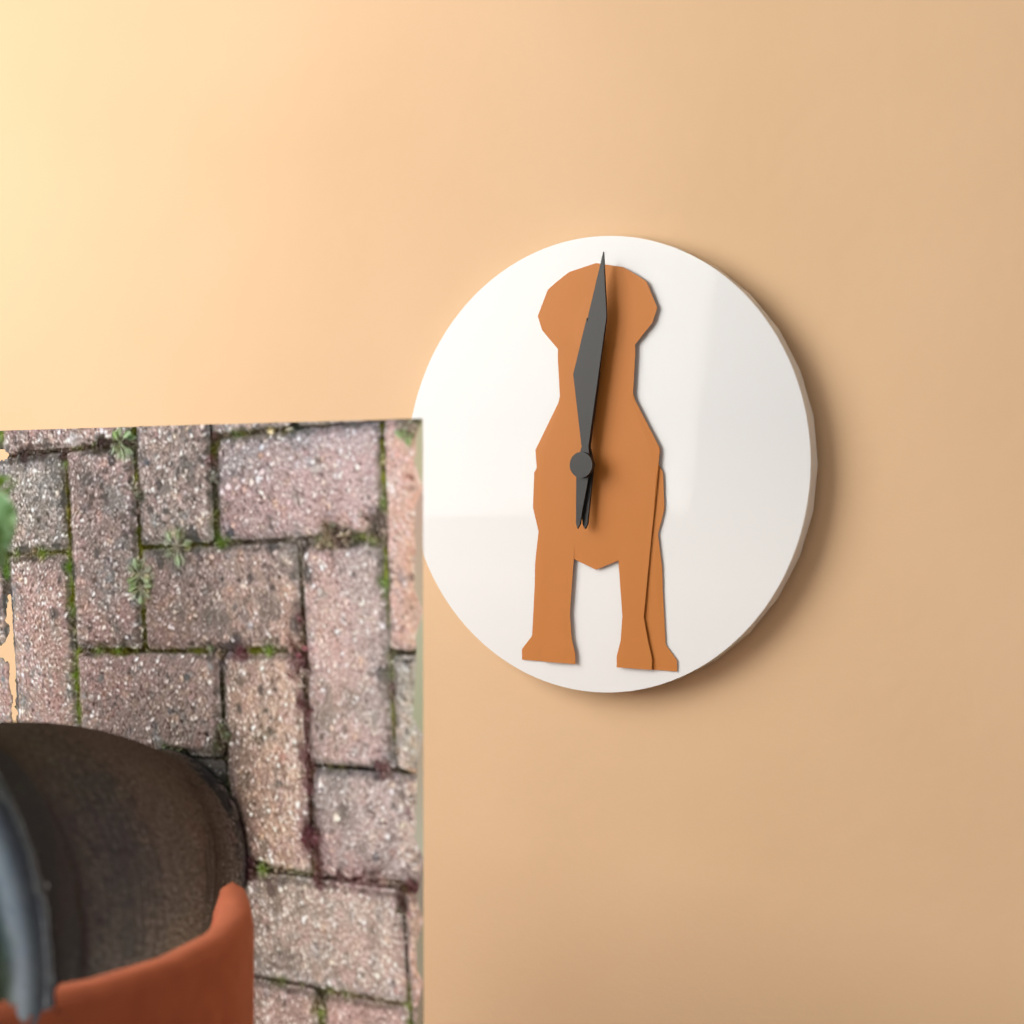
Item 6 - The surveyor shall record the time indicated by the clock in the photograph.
12:01
